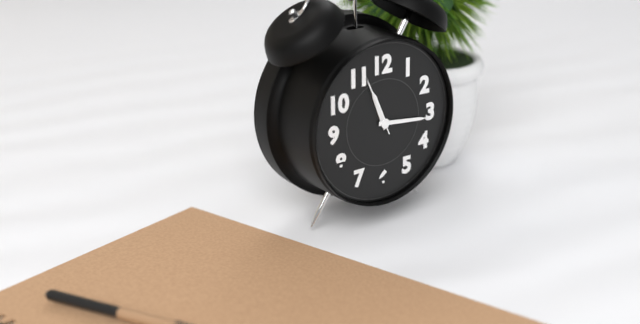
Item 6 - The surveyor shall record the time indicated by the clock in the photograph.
11:16:56
